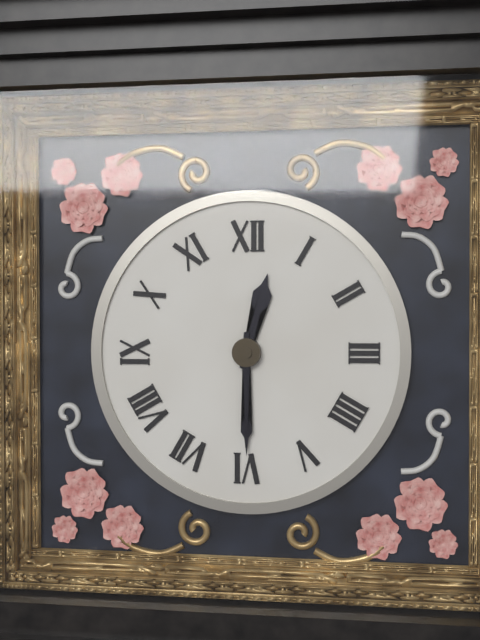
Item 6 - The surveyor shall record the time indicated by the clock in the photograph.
12:30
